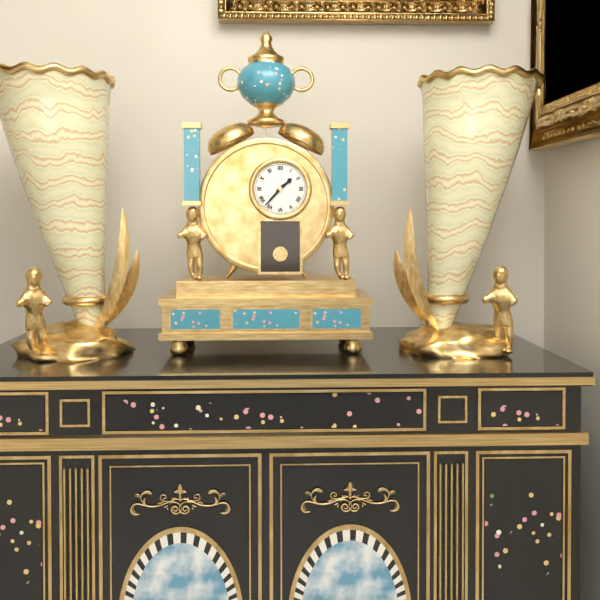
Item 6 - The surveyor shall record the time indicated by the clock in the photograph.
1:37
